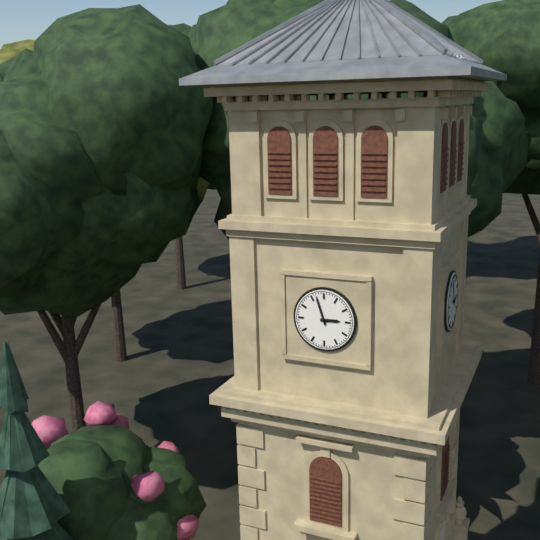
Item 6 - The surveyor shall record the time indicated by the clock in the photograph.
2:57
